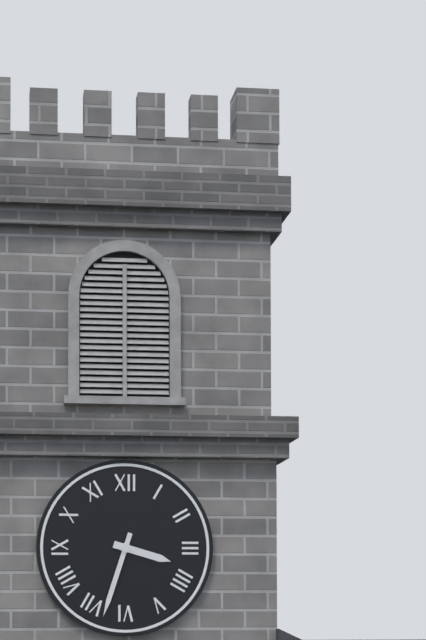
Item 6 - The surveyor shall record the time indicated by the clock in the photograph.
3:33
